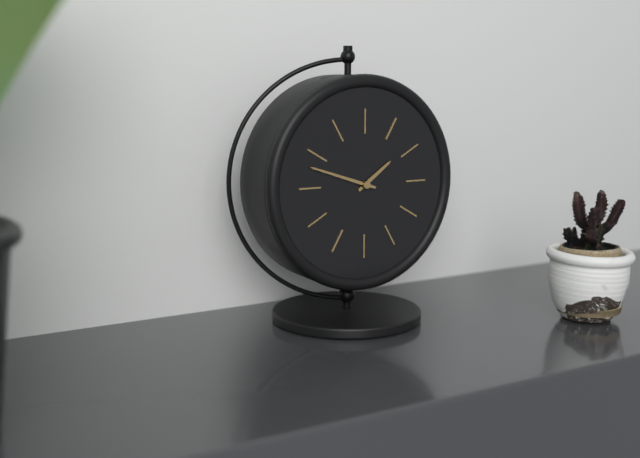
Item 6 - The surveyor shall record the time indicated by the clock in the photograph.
1:48
